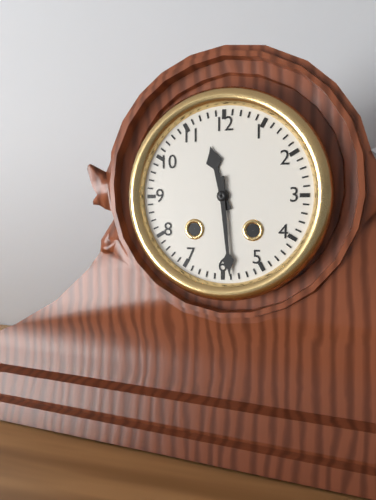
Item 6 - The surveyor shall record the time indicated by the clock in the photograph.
11:29
